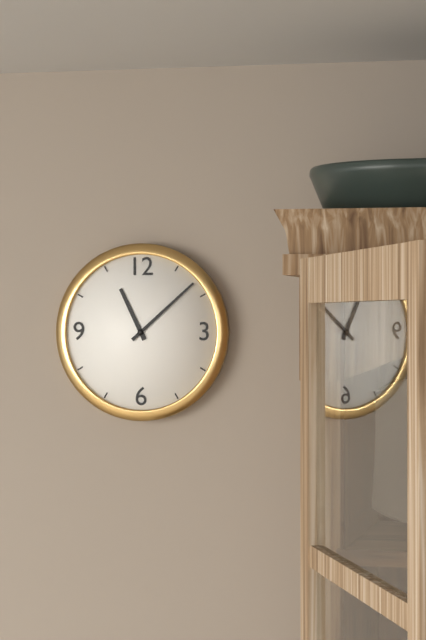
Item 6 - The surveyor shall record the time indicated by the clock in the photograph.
11:08
